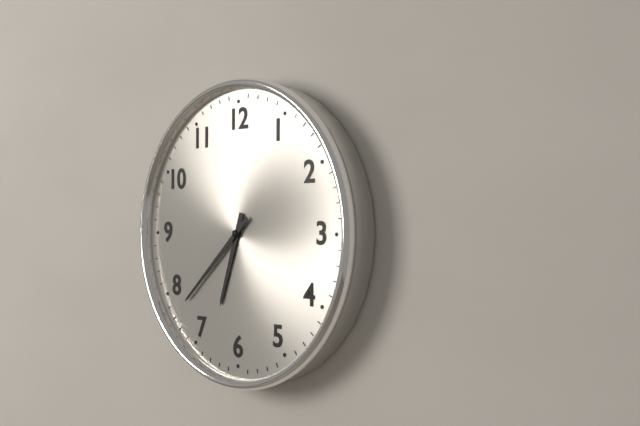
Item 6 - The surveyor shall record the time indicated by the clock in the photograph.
6:38
